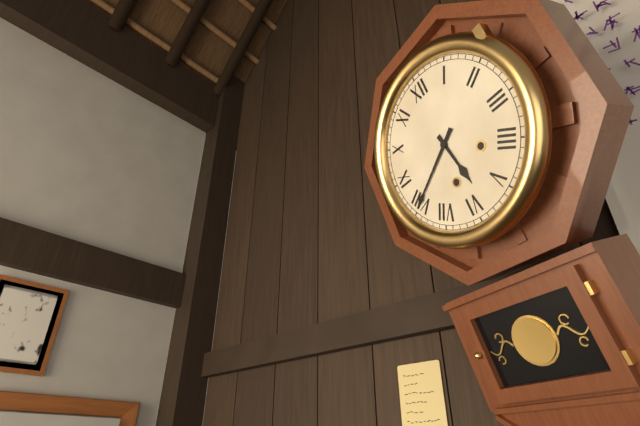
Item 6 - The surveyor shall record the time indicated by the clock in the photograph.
5:40
